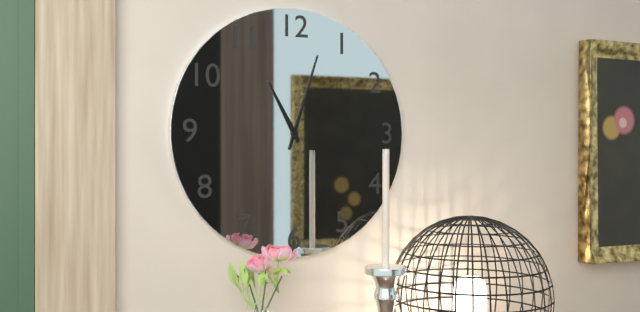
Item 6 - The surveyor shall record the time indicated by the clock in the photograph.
11:03
